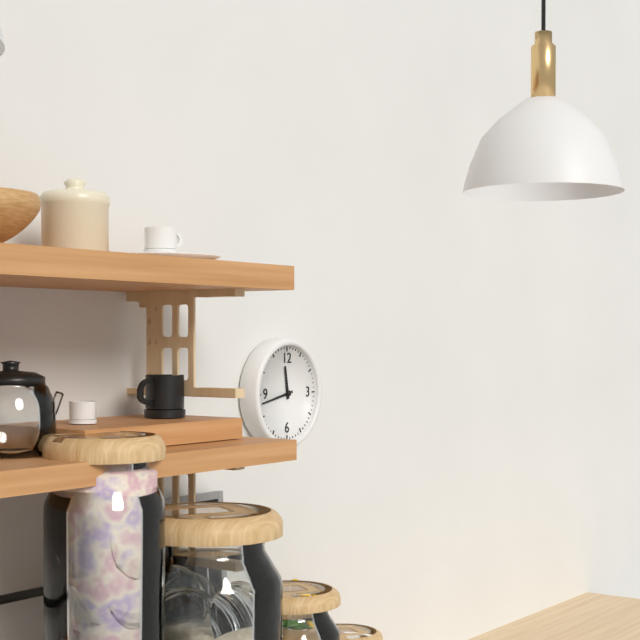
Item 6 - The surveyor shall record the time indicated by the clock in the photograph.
11:43
